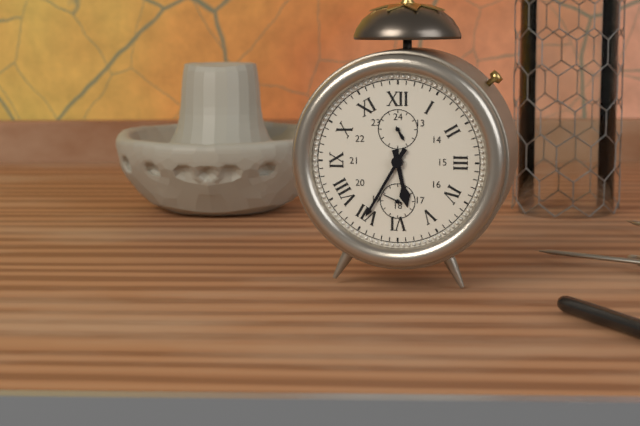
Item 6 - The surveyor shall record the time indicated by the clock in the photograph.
5:35
